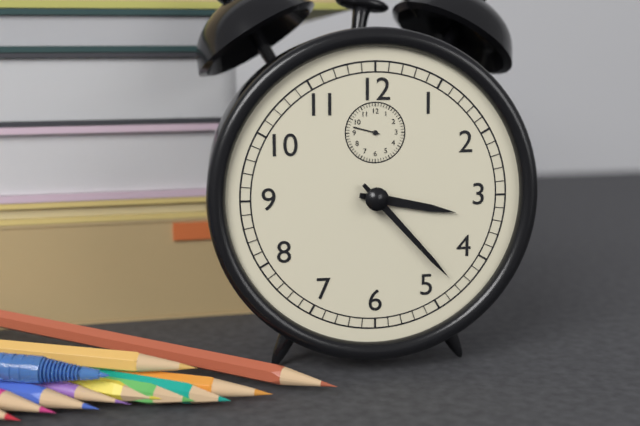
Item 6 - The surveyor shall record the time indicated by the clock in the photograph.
3:23
